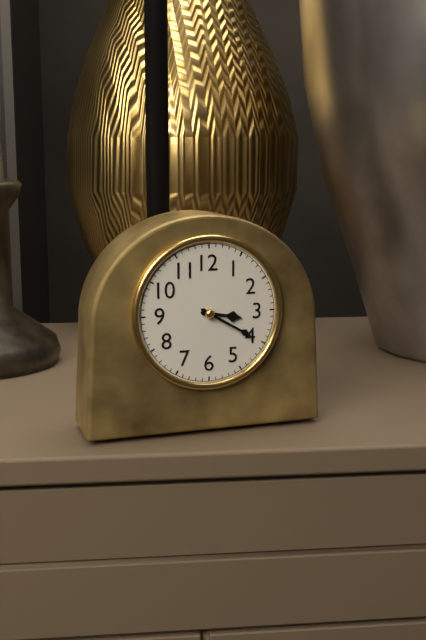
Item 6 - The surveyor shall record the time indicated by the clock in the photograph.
3:20
